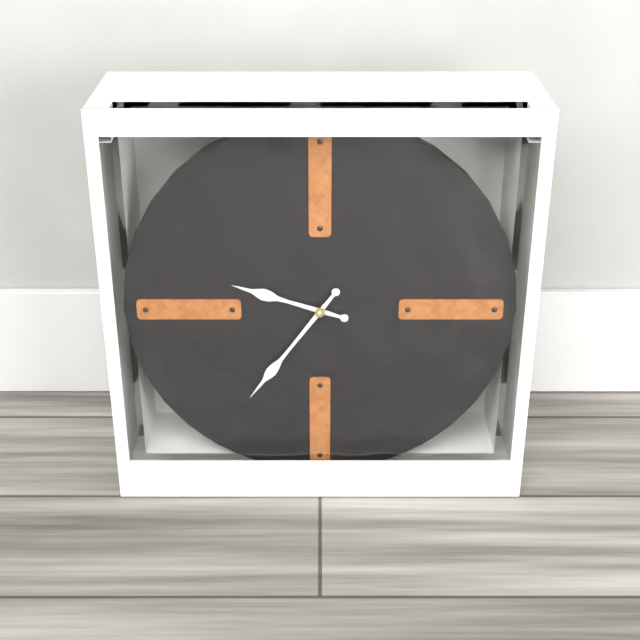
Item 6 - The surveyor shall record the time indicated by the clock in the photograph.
9:36
